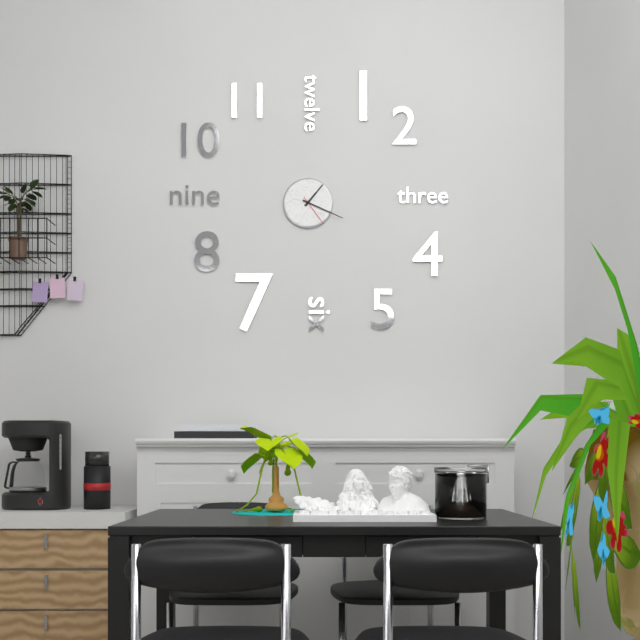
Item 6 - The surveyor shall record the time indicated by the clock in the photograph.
1:19
